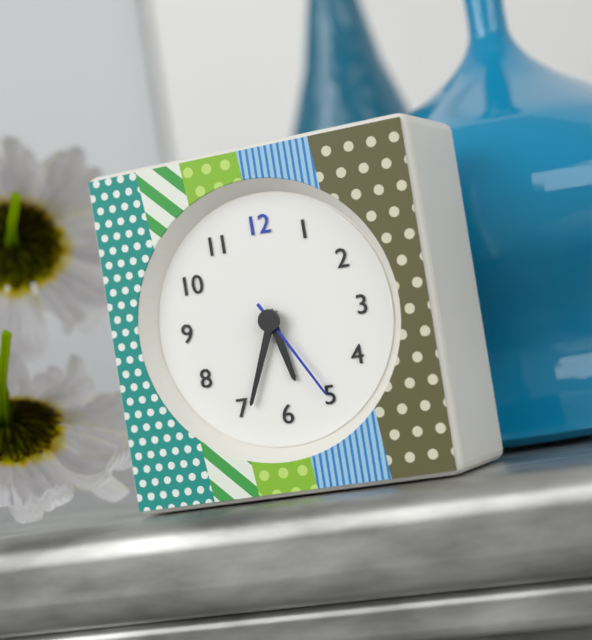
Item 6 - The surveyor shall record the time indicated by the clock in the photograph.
5:34:25
